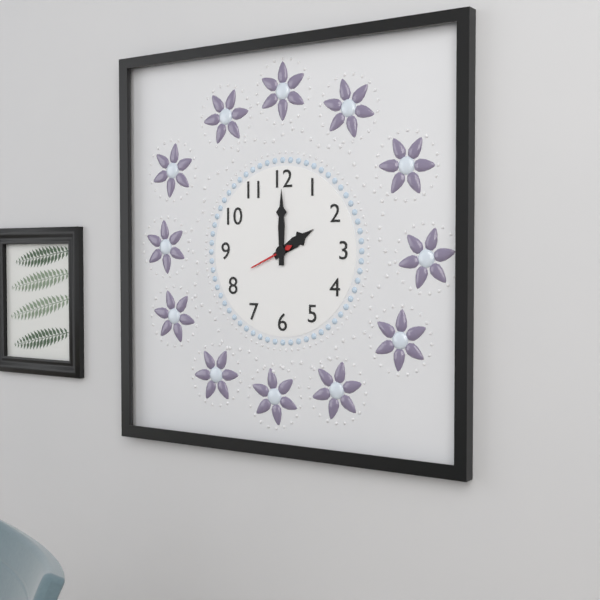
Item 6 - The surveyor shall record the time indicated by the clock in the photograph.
2:00
